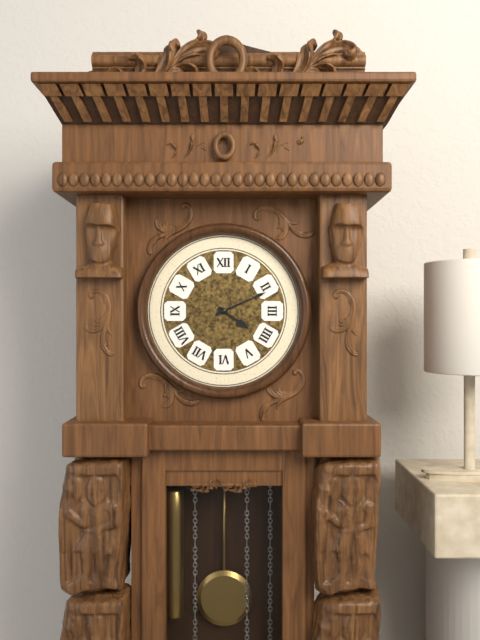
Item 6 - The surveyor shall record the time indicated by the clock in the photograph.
4:11
